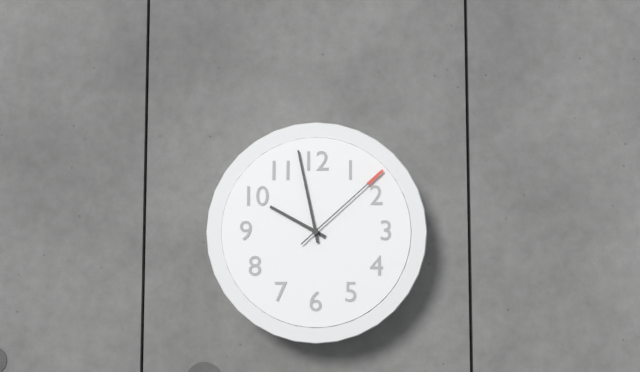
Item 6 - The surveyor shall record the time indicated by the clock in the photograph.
9:58:08
